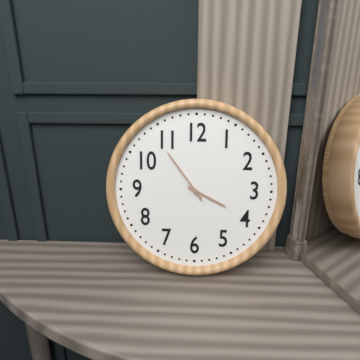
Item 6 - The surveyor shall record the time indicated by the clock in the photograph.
3:54
